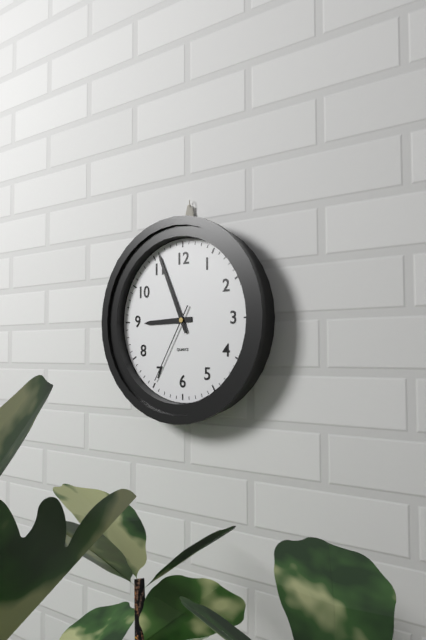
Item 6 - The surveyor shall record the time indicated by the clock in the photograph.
8:56:35
